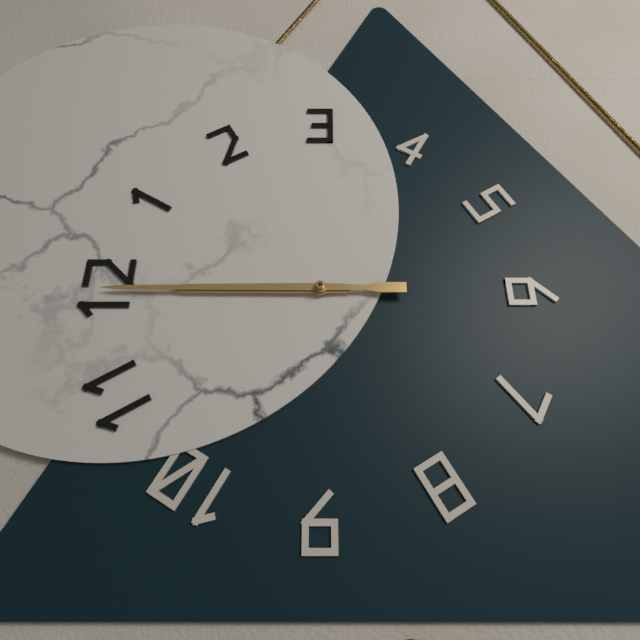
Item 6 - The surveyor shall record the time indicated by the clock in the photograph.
12:00
